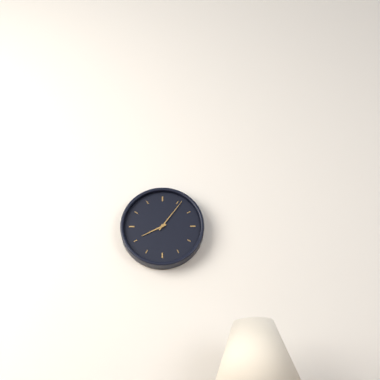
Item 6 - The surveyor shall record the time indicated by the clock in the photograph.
8:06
